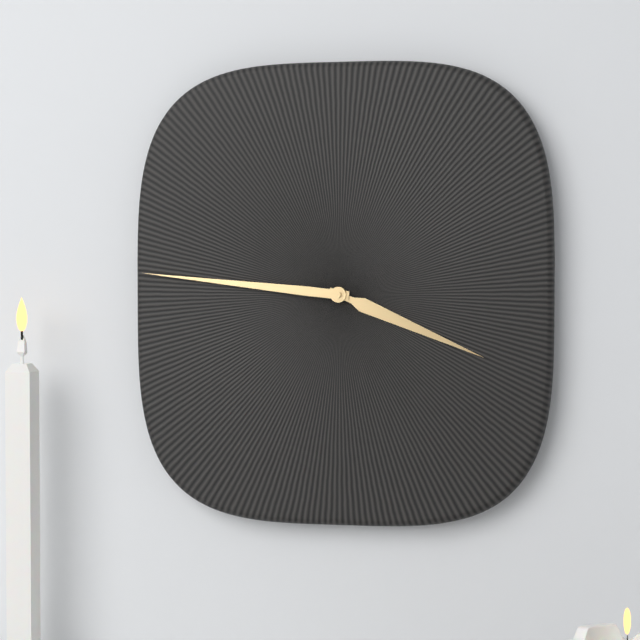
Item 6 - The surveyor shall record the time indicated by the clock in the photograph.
3:46
